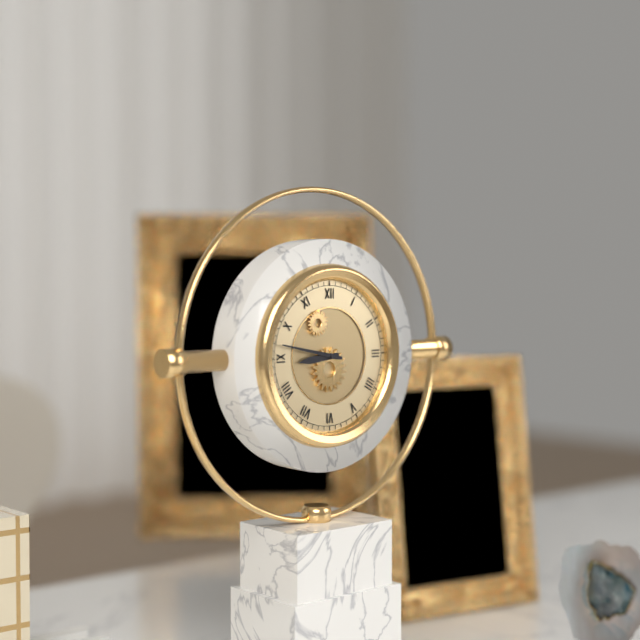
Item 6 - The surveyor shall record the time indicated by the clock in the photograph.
8:47
